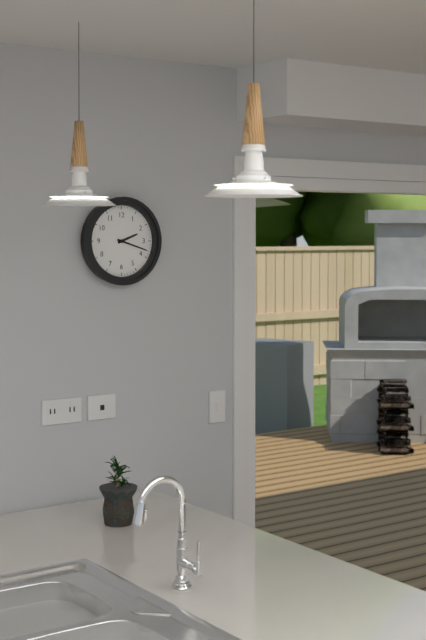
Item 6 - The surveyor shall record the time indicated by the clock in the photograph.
2:18
